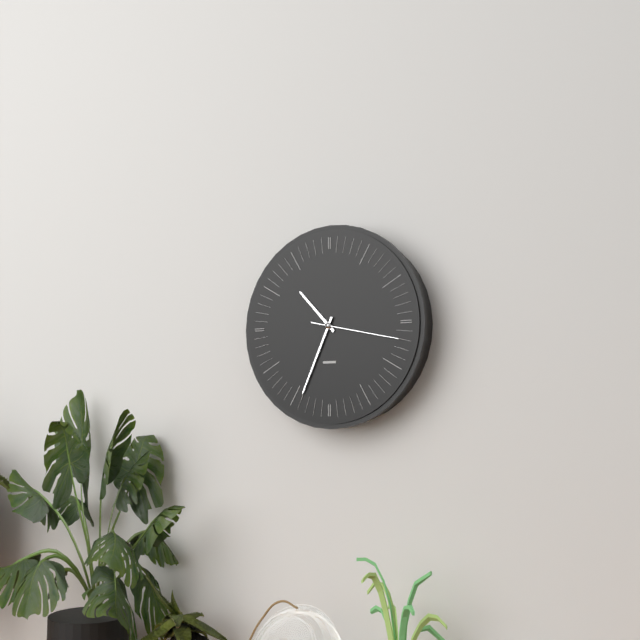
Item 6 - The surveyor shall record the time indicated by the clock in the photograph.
10:34:17
